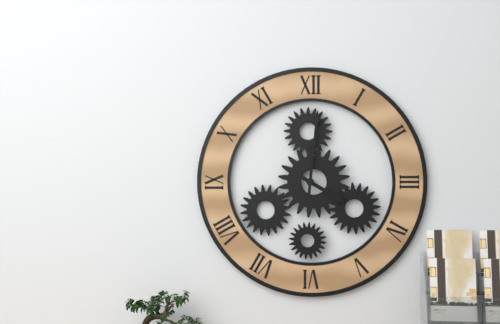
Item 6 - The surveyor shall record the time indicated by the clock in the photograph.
4:01
